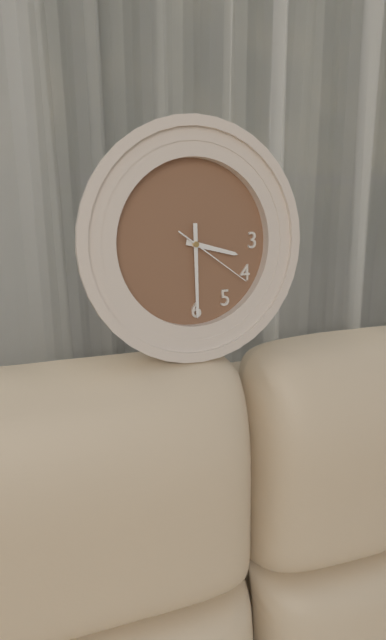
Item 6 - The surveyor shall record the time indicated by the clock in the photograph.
3:30:21
